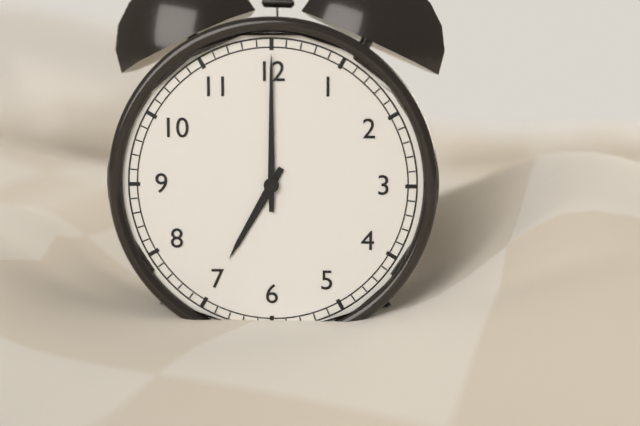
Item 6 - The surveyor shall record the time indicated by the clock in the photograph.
7:00
